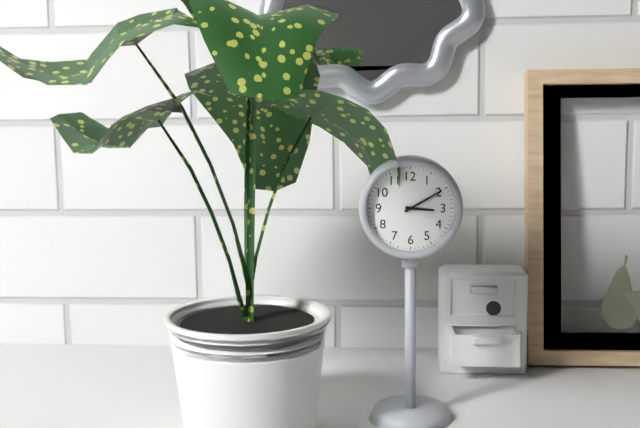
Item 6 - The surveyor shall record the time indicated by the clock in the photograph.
3:10
